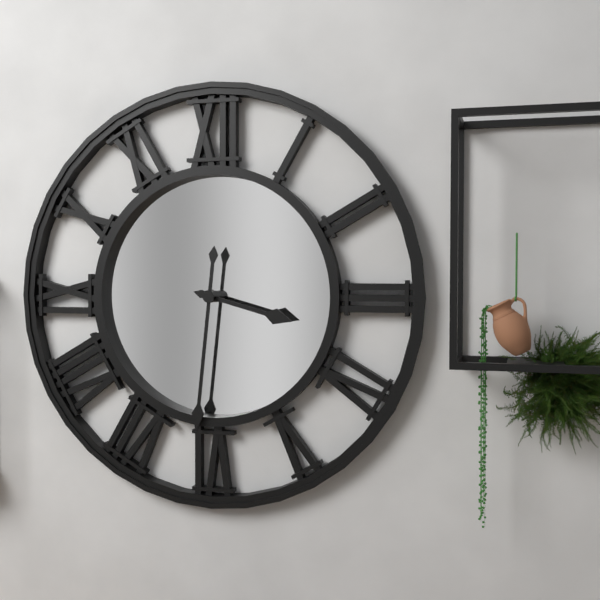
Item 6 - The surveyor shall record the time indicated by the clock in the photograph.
3:31
